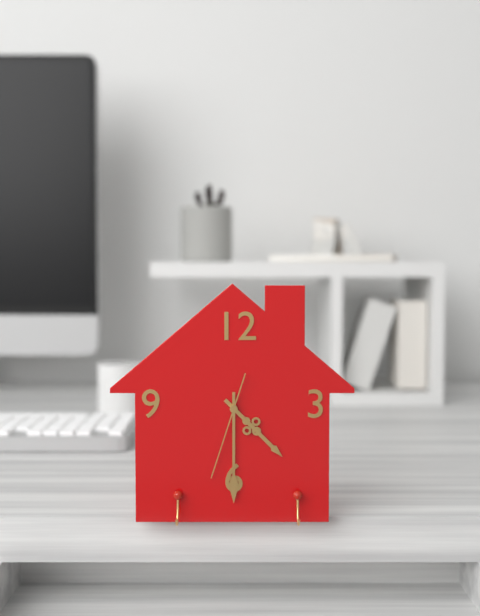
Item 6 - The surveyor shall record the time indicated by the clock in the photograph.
4:30:33
